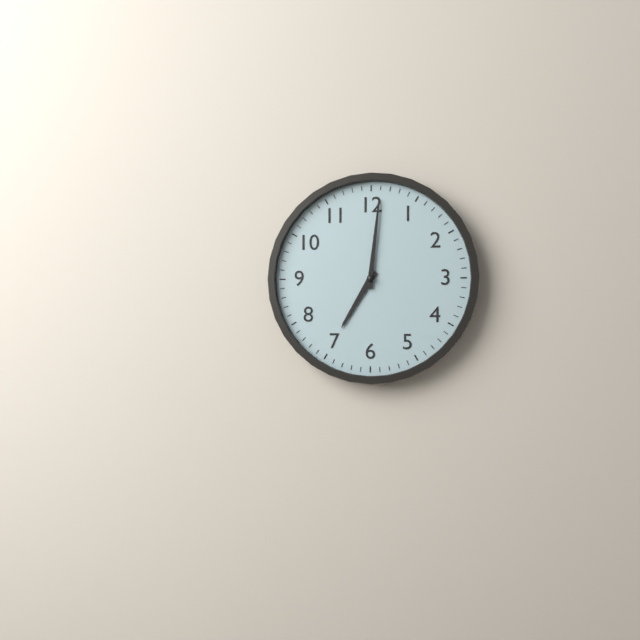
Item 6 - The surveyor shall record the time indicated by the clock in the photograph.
7:01
